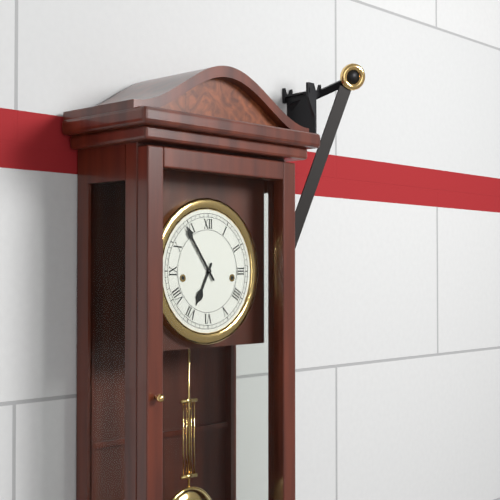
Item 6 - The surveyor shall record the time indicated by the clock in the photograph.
6:54
